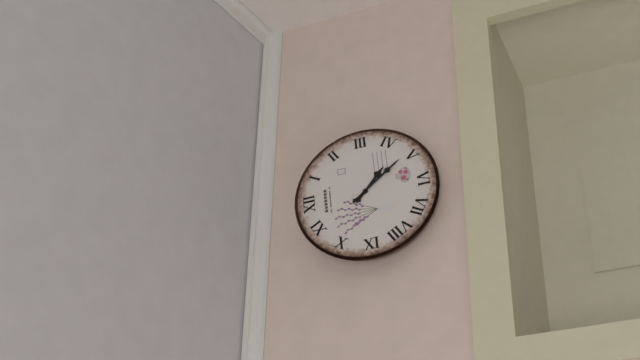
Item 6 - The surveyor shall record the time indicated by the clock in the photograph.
4:24
